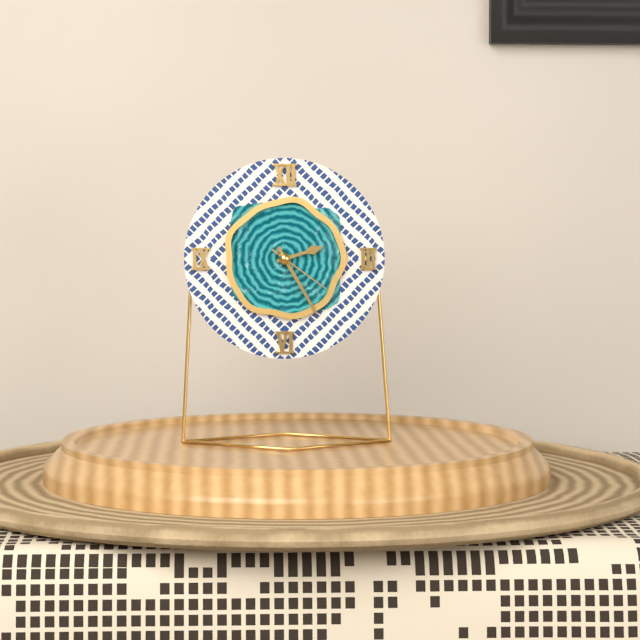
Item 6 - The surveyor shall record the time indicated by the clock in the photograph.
2:25:21
